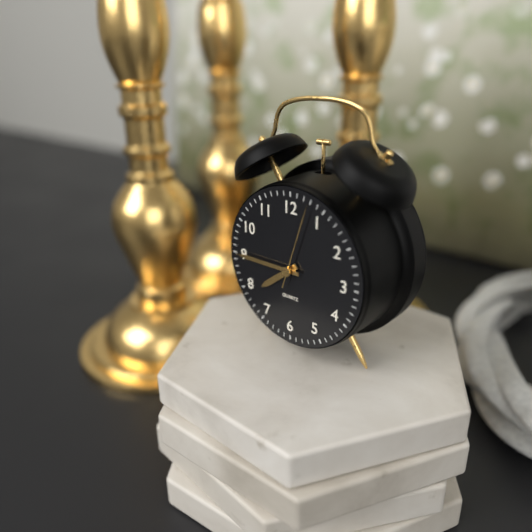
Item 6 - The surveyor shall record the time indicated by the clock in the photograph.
7:45:03
